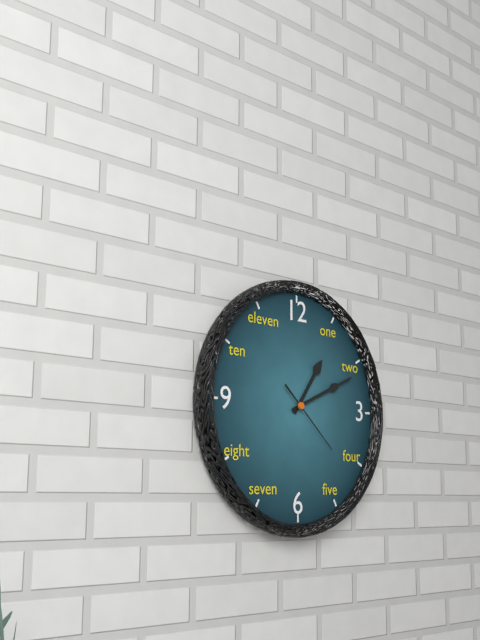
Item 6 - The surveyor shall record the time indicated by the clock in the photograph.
1:11:22
